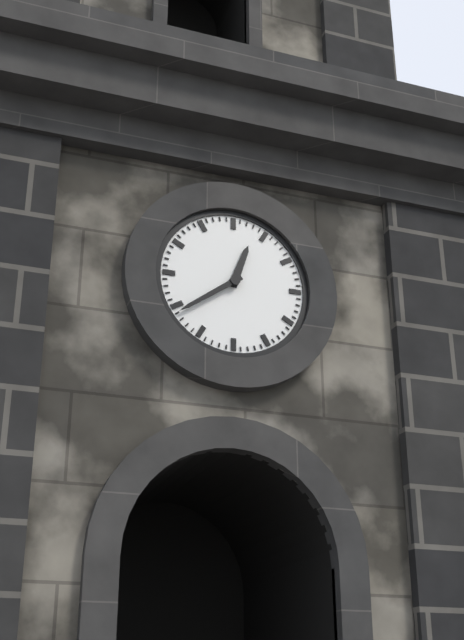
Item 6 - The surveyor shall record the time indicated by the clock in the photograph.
12:39
